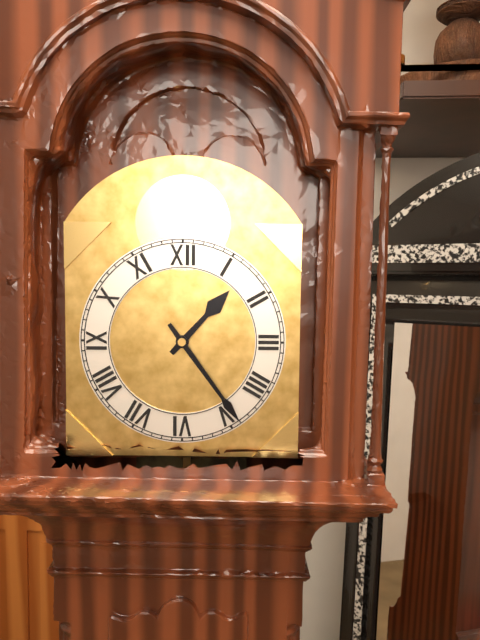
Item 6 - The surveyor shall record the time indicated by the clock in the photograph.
1:24
